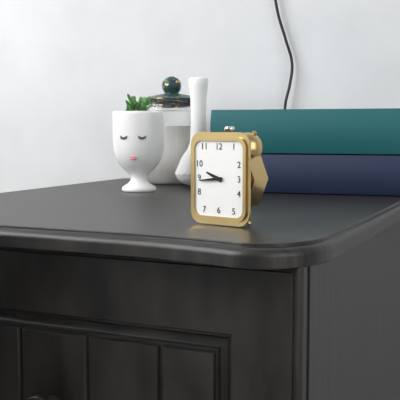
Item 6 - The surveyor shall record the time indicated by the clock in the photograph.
9:44
